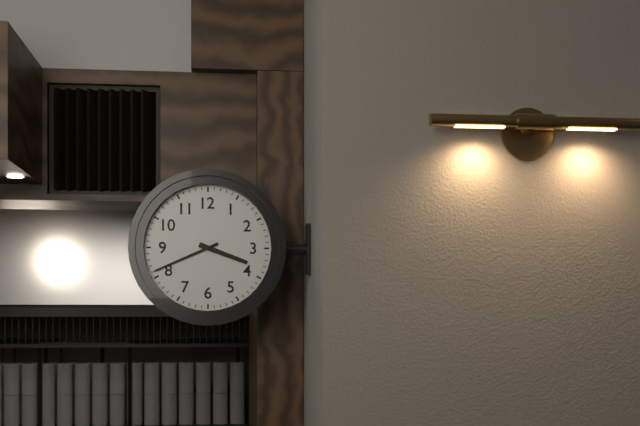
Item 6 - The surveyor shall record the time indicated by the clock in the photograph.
3:41
